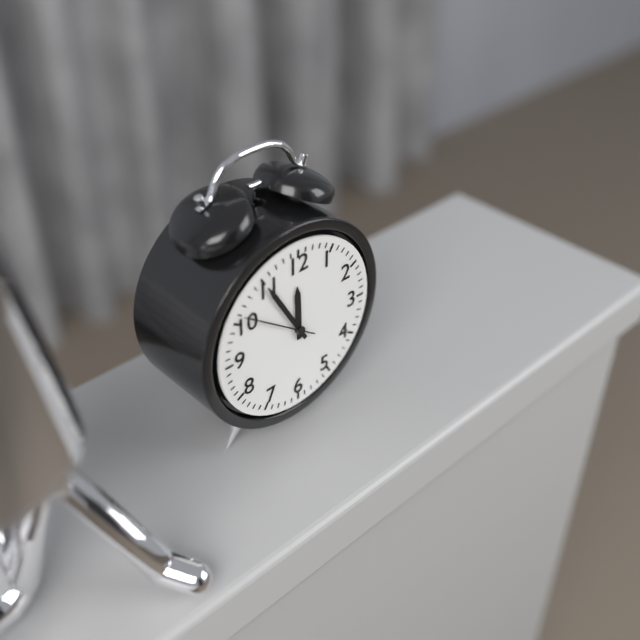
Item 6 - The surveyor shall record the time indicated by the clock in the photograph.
11:55:51
